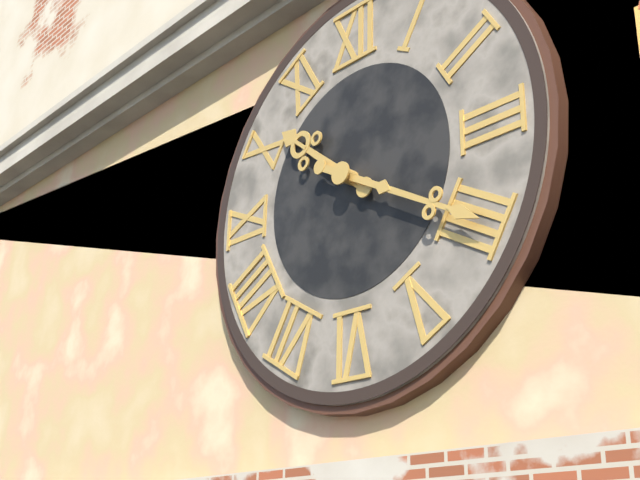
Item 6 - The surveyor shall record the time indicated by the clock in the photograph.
10:20
